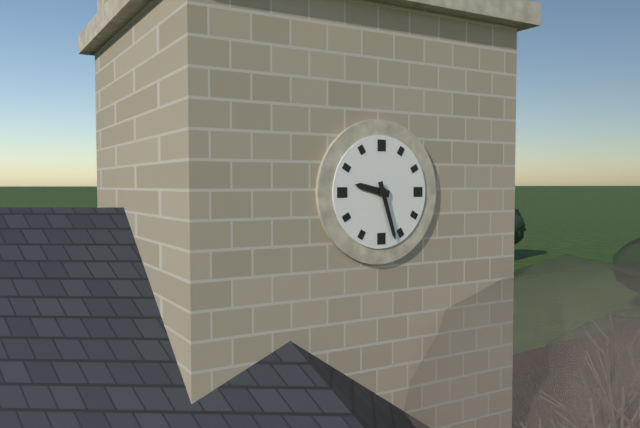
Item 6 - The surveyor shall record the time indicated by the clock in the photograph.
9:27
